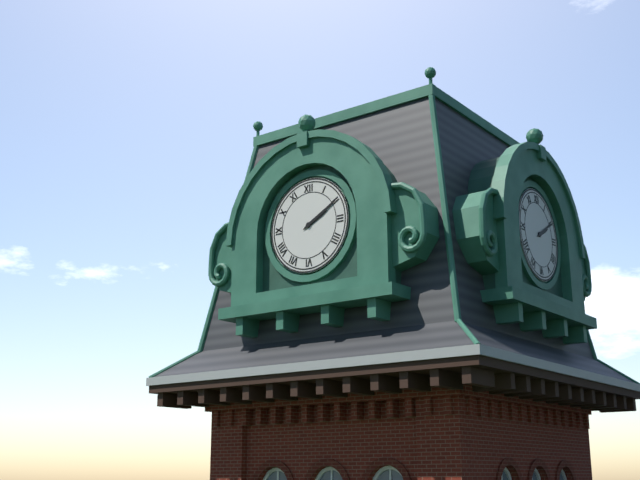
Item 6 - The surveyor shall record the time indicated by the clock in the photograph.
2:10
